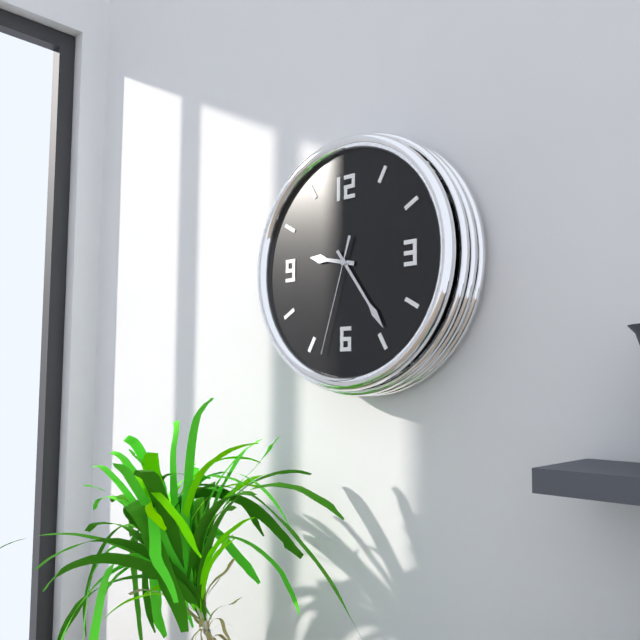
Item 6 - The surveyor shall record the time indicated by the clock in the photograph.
9:24:33
